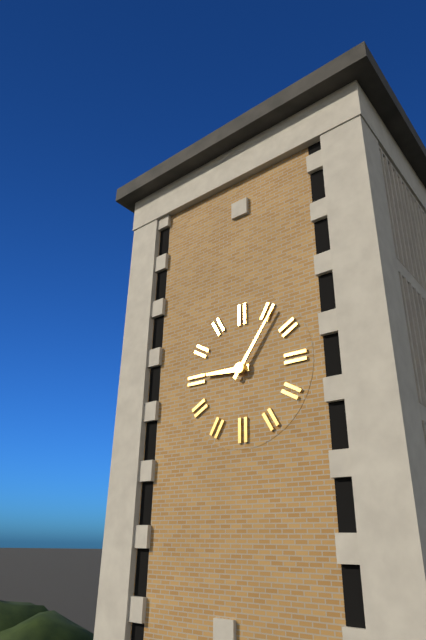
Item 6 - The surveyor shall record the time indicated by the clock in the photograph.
9:06
